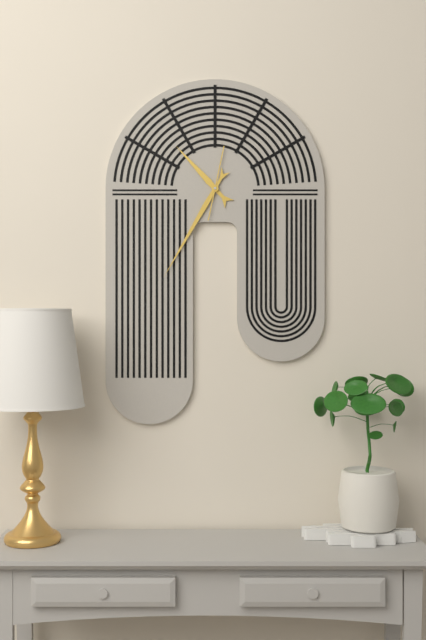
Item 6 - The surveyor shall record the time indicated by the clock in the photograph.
10:35:02
